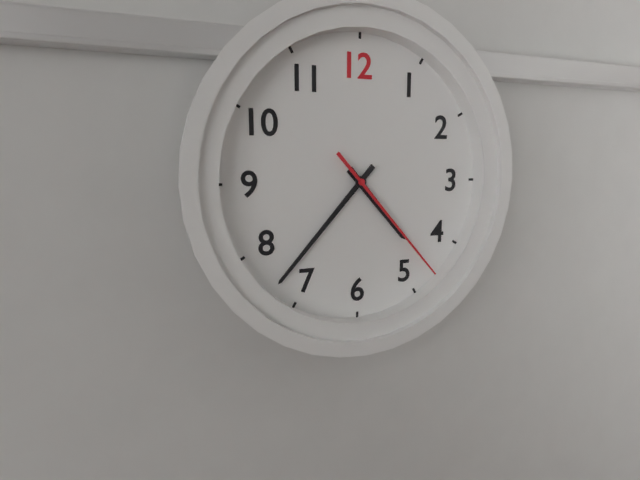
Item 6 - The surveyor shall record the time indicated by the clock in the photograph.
4:37:23
